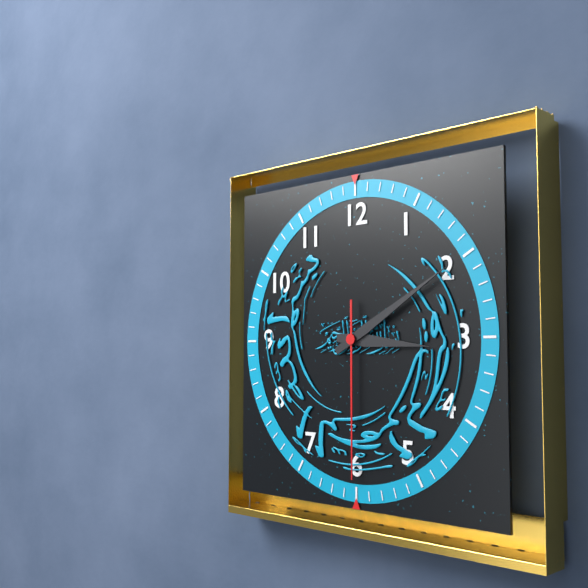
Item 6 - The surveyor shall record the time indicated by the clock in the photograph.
3:10:30
